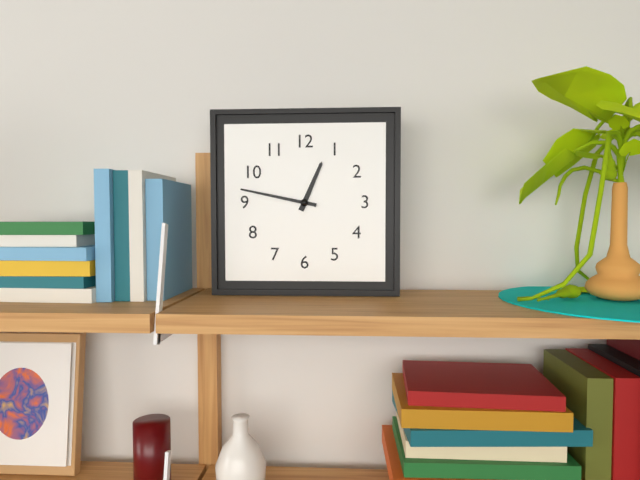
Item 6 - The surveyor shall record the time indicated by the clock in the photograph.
12:47
